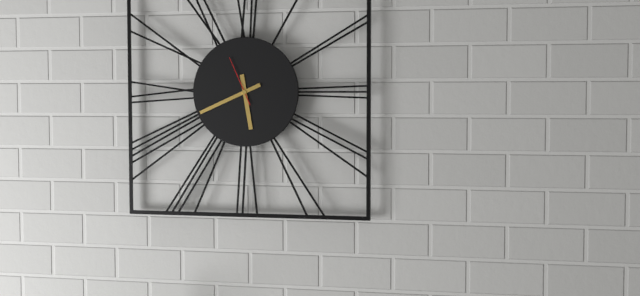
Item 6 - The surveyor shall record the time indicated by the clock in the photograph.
5:41
